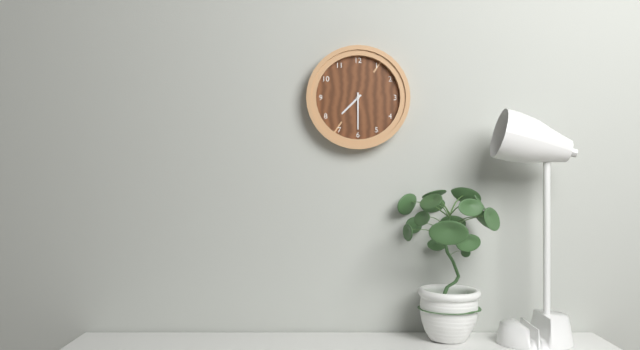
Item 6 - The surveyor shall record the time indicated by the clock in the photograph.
7:30
